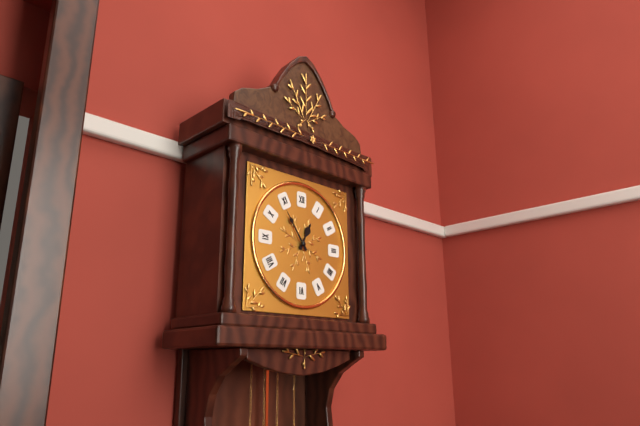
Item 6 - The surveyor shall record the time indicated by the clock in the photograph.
12:54
